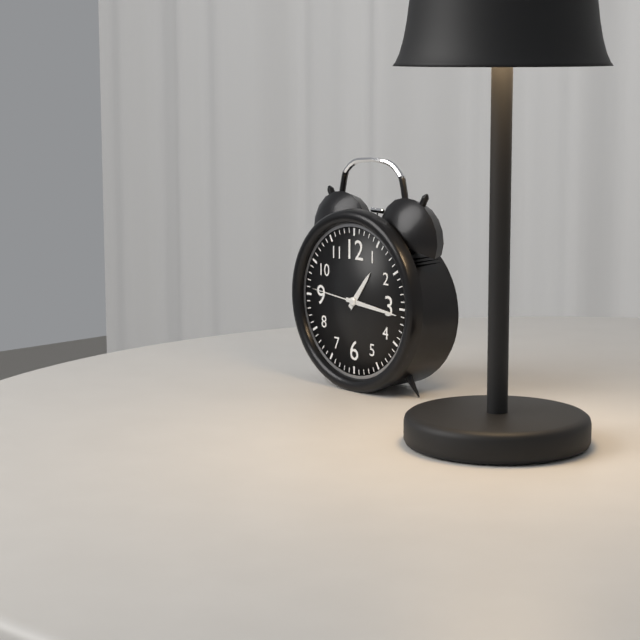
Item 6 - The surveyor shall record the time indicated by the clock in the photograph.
1:16:46
